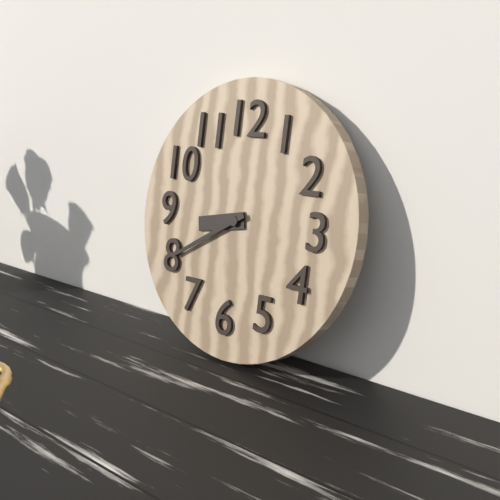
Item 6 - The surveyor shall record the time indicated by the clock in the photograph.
8:40
